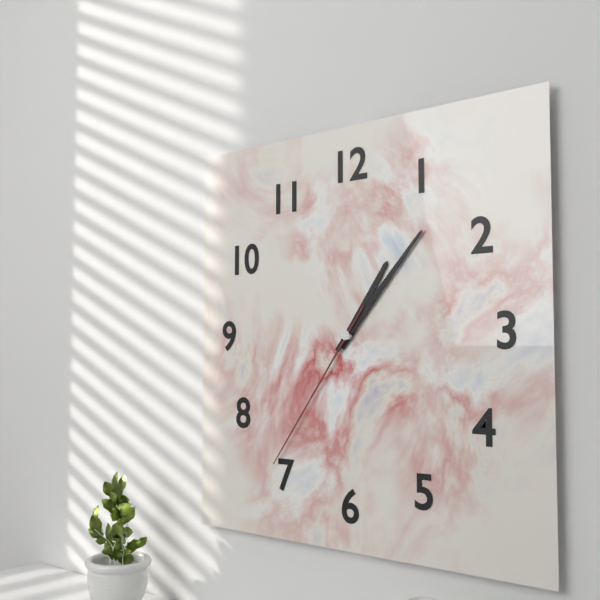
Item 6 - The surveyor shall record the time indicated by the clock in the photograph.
1:07:36
